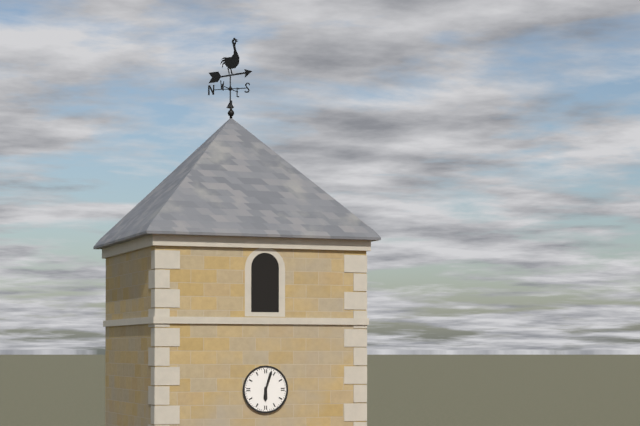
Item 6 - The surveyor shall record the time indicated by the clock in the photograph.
6:03
